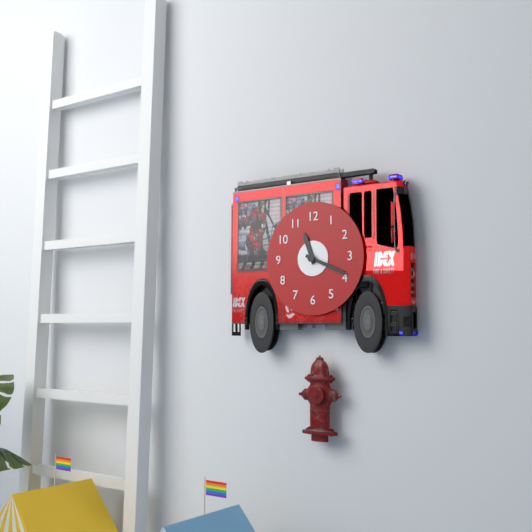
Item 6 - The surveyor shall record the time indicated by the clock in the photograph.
11:19
